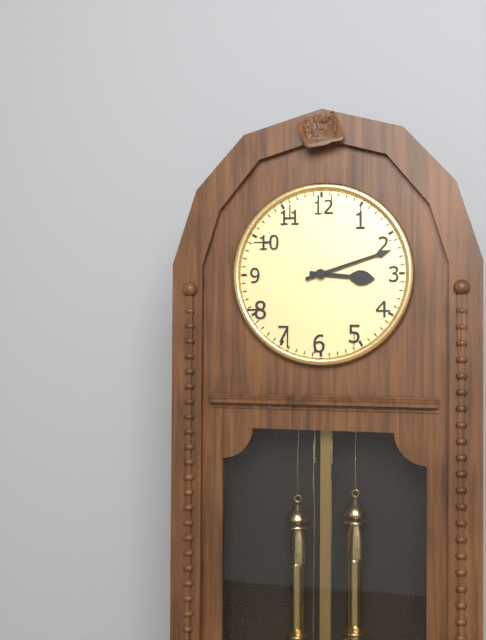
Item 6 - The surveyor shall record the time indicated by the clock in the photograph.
3:12
